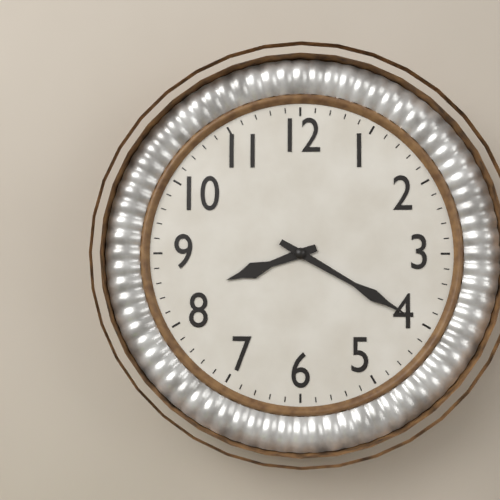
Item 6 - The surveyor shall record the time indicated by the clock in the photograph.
8:20
